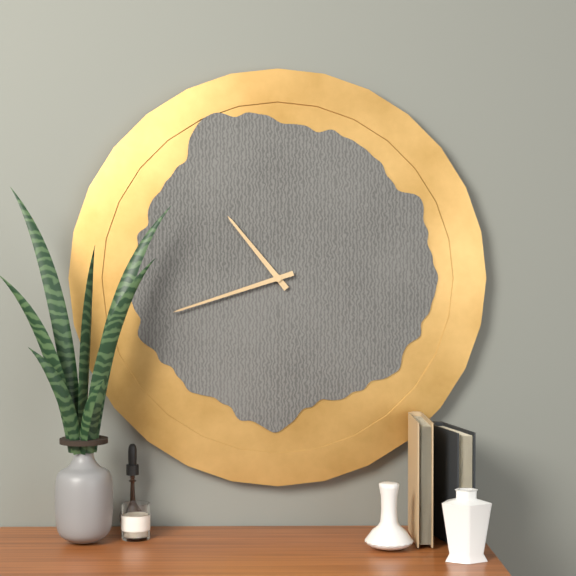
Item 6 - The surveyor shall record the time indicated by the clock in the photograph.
10:42
